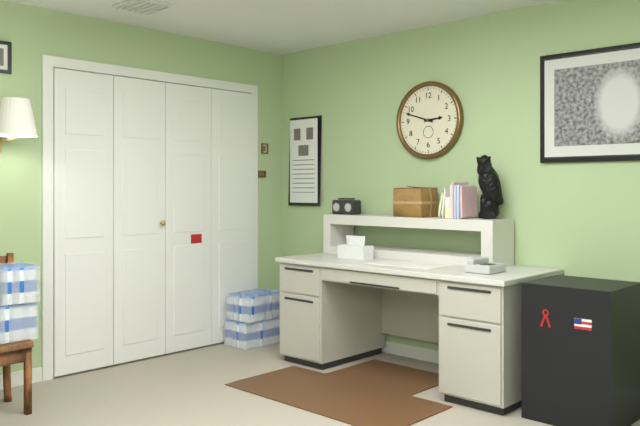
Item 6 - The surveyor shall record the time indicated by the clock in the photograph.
2:48
